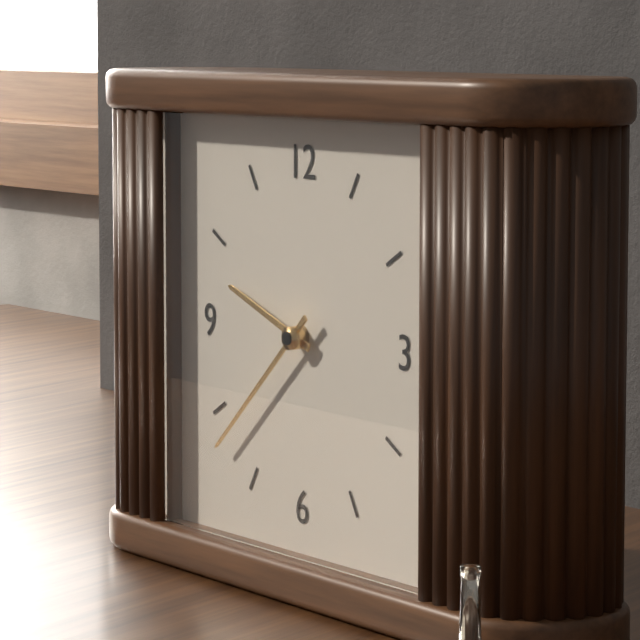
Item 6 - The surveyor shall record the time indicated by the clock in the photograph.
9:38
